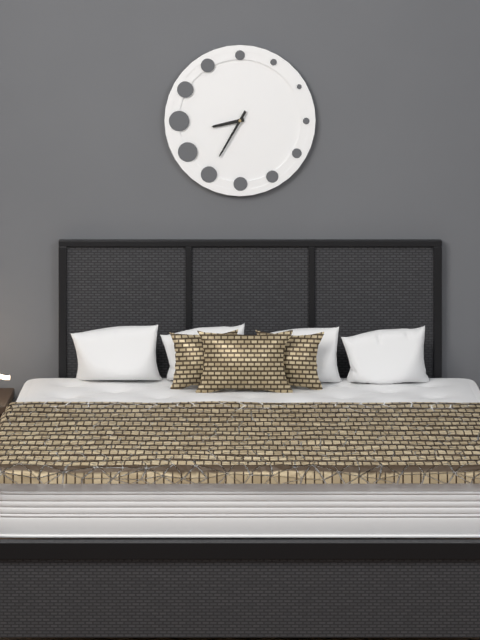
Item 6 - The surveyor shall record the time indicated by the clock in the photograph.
8:35
